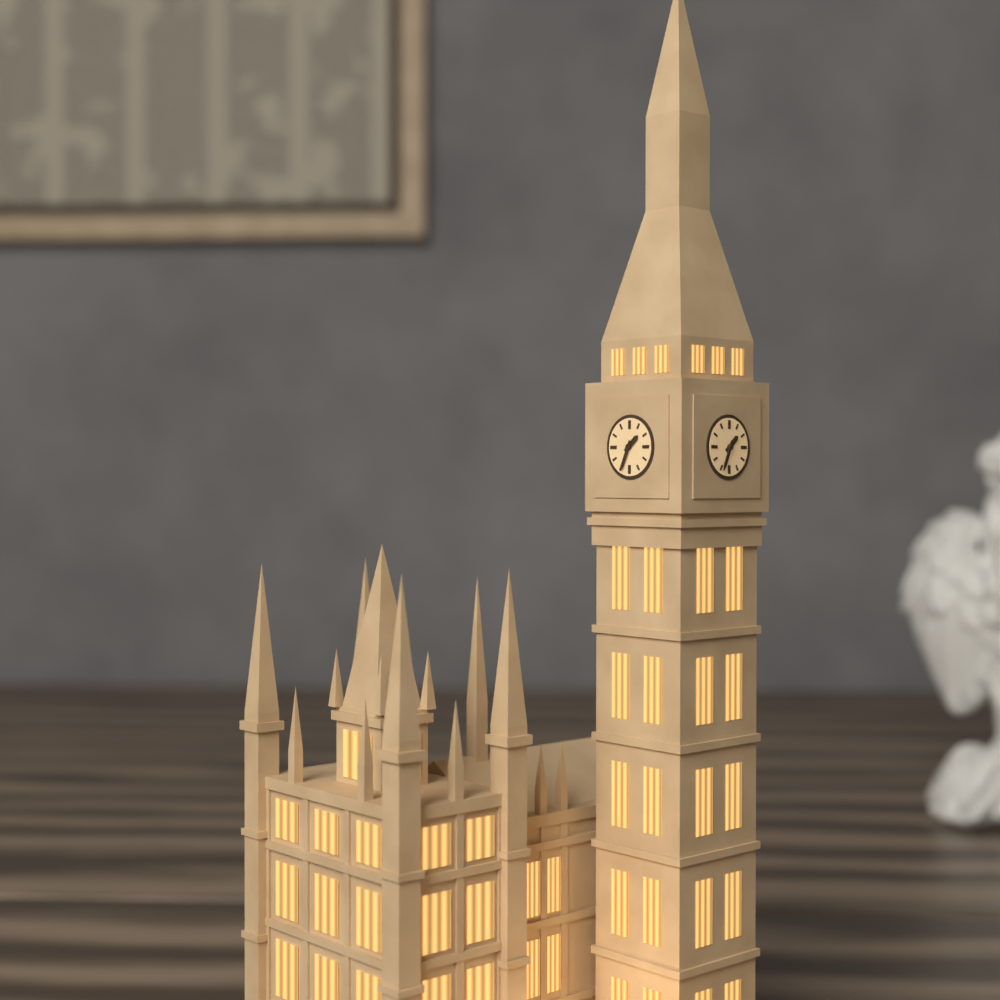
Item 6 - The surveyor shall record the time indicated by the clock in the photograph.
1:34
